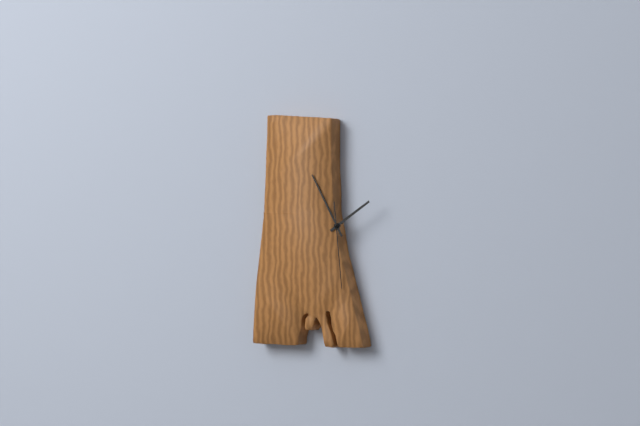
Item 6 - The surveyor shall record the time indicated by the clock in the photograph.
1:55:29
